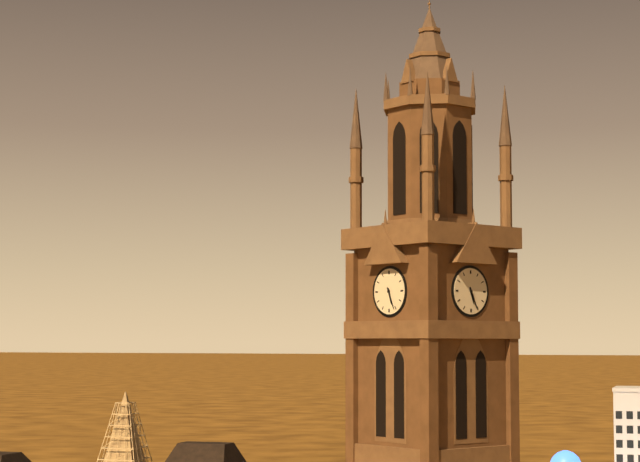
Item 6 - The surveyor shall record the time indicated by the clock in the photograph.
5:26
